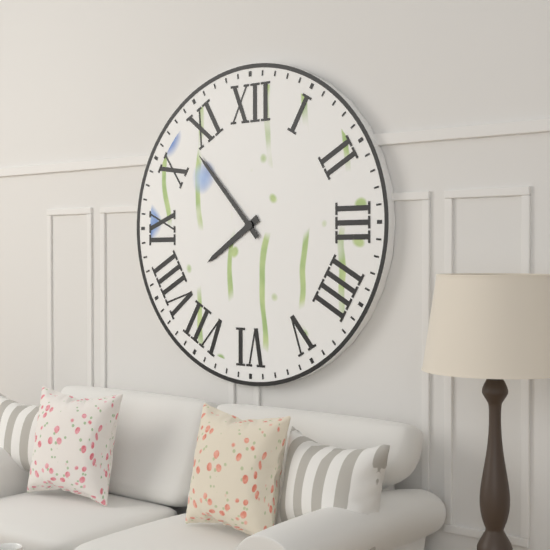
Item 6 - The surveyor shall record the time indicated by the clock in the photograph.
7:53
